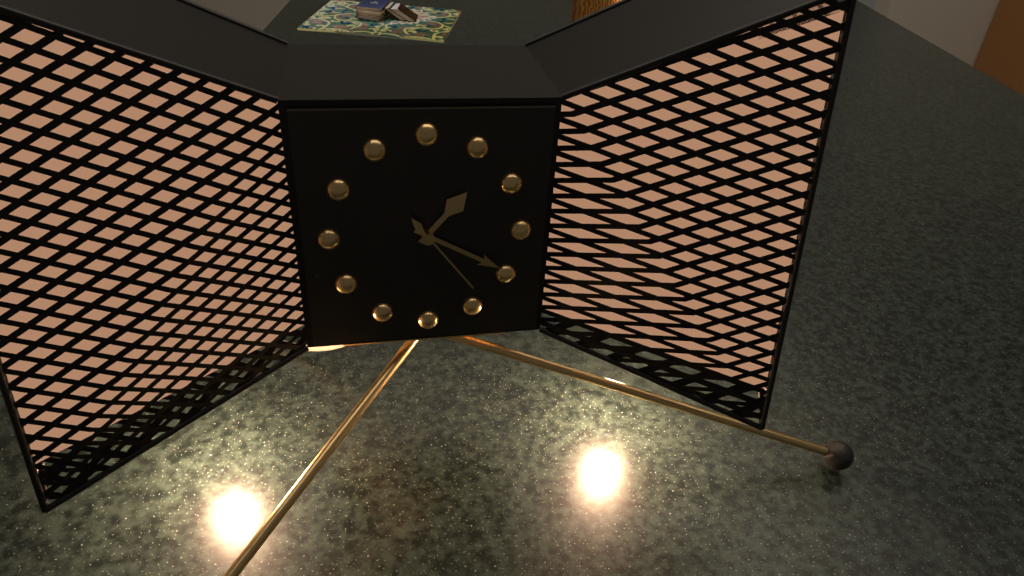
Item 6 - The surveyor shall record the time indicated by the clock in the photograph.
1:20:24
